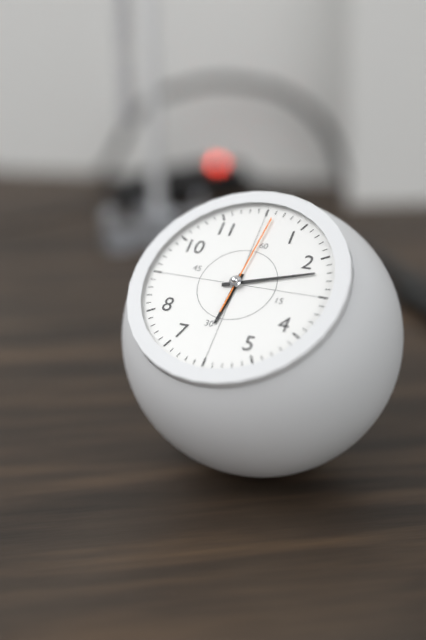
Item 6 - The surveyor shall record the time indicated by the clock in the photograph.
6:12:01
